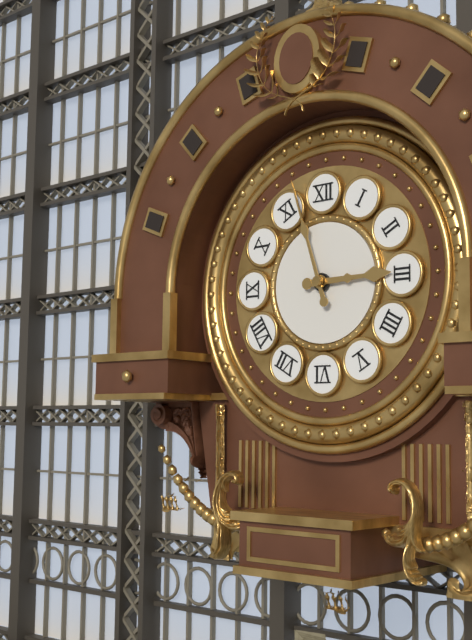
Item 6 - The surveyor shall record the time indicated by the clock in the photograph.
2:57
